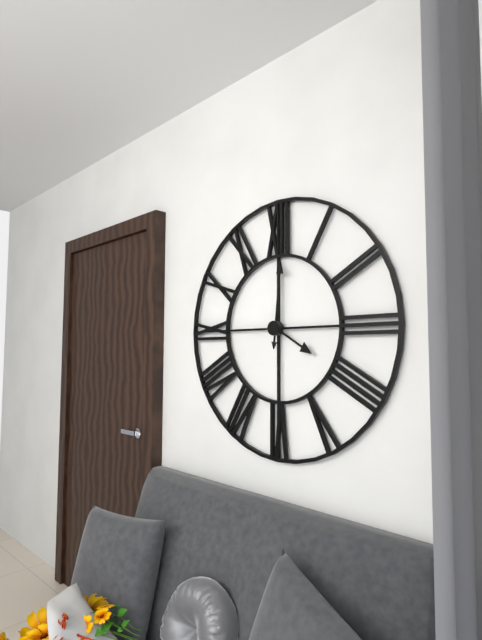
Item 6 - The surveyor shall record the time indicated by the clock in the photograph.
4:01
